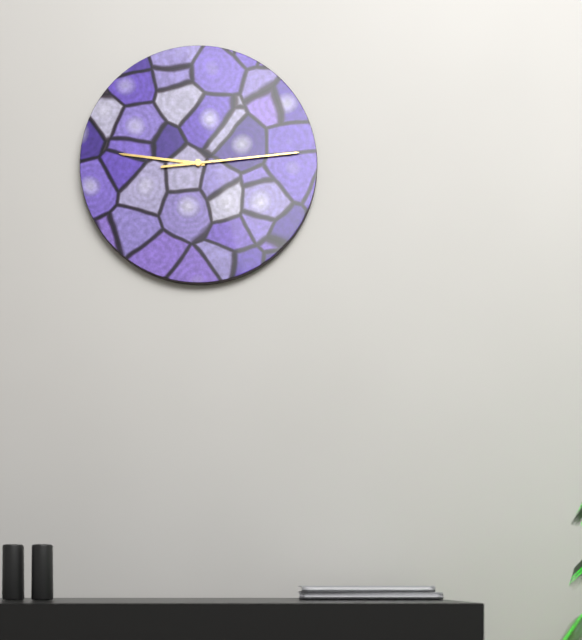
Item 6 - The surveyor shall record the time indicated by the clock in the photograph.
9:14
